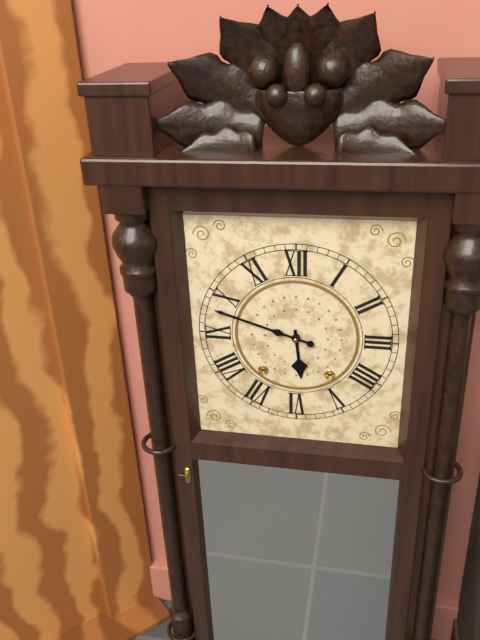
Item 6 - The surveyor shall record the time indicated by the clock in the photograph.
5:48
